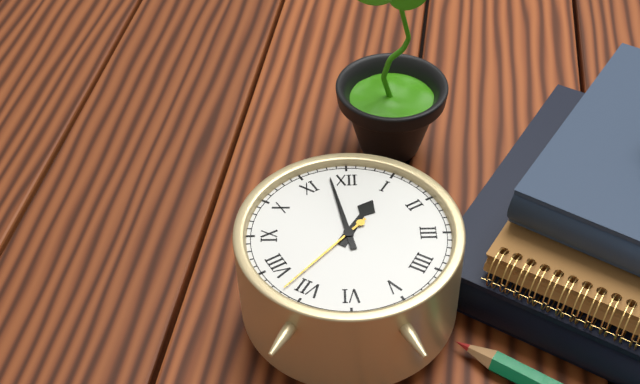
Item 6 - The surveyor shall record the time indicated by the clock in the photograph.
12:58:37
